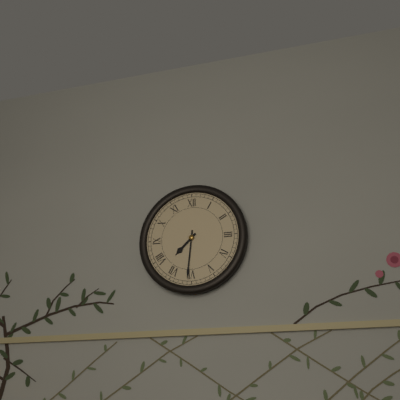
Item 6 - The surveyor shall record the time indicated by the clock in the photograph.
7:31
